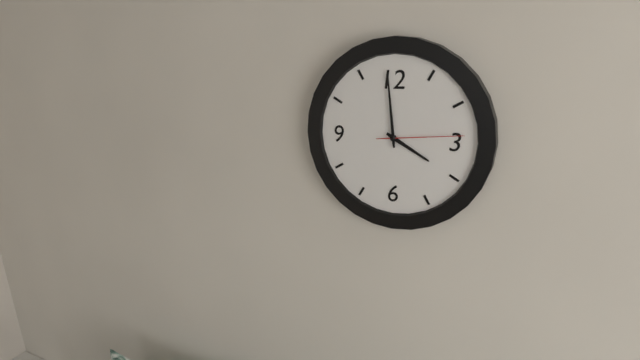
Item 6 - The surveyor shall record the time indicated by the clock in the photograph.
3:59:14
